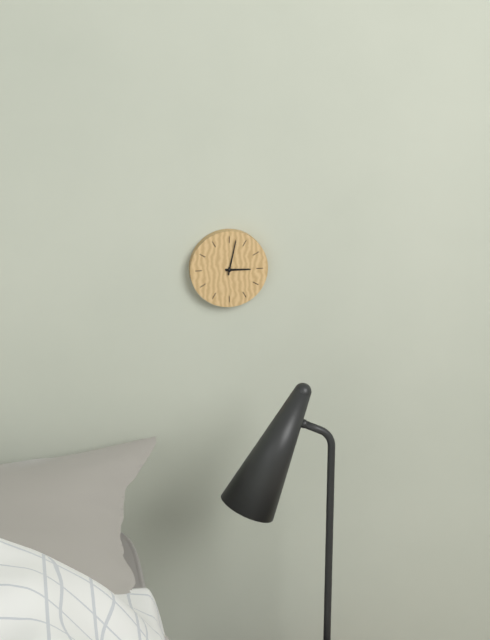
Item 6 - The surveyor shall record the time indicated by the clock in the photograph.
3:02
